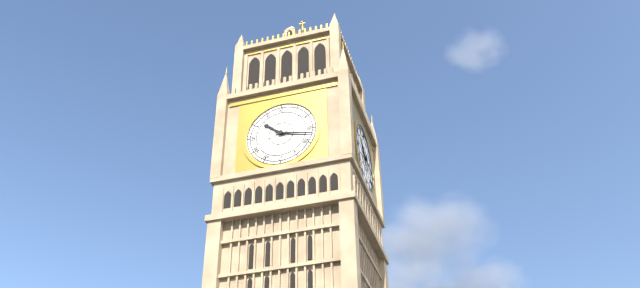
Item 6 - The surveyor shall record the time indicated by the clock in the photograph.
10:17
